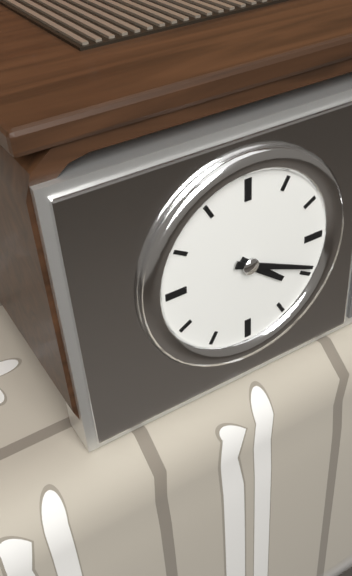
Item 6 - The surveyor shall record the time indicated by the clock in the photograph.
4:19
